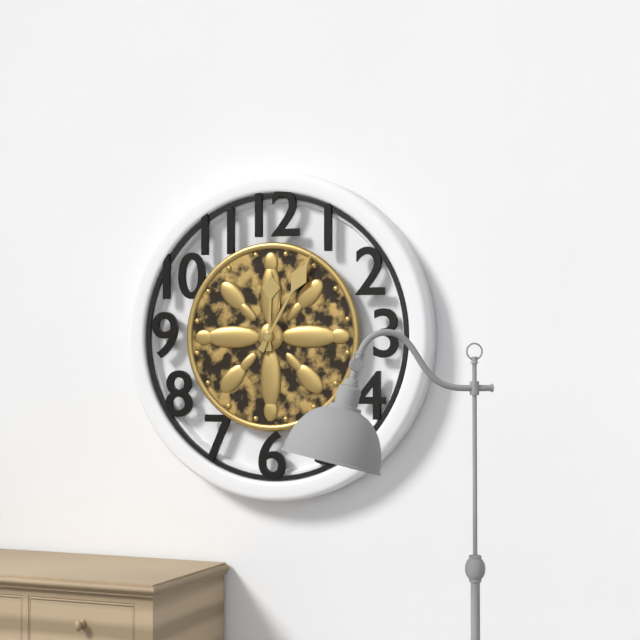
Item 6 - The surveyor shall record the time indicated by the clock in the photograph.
12:05
